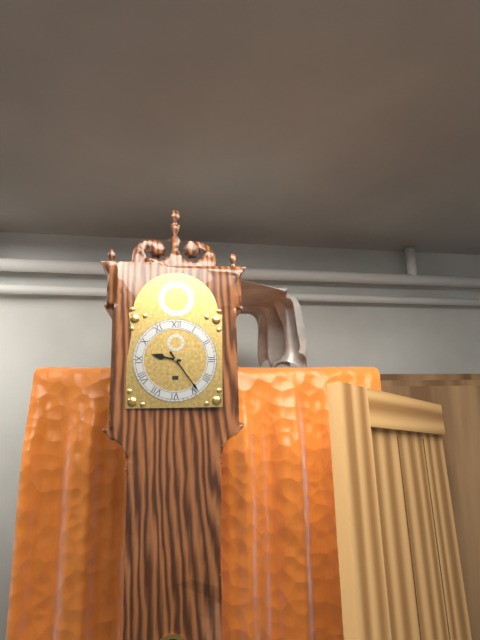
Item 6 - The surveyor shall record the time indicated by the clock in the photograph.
9:24
